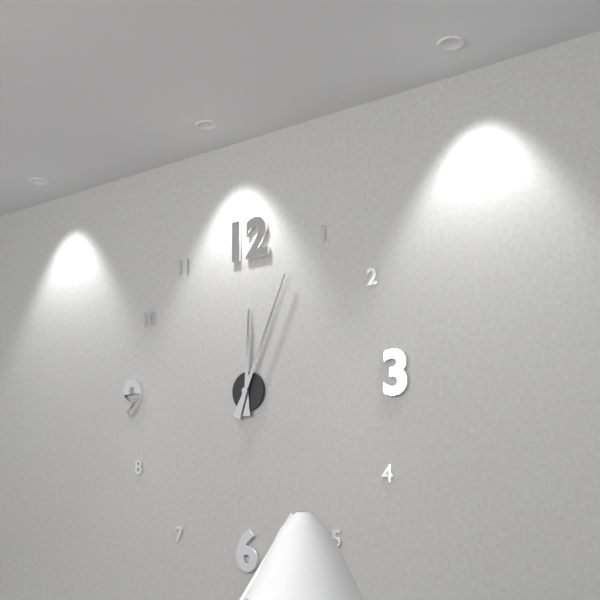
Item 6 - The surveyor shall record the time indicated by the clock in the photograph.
12:04
